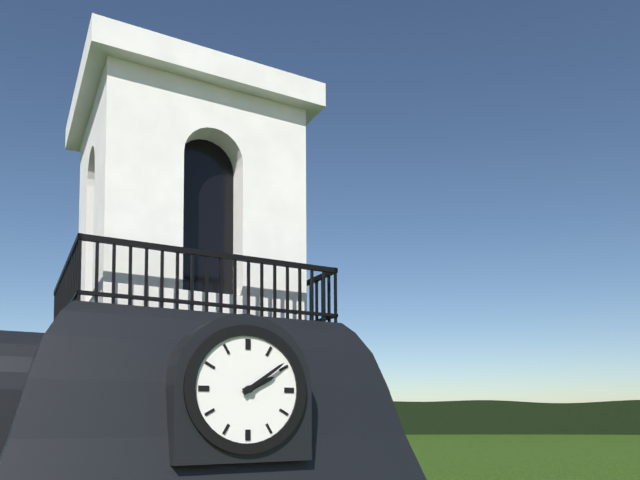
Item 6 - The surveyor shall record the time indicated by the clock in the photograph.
2:09
